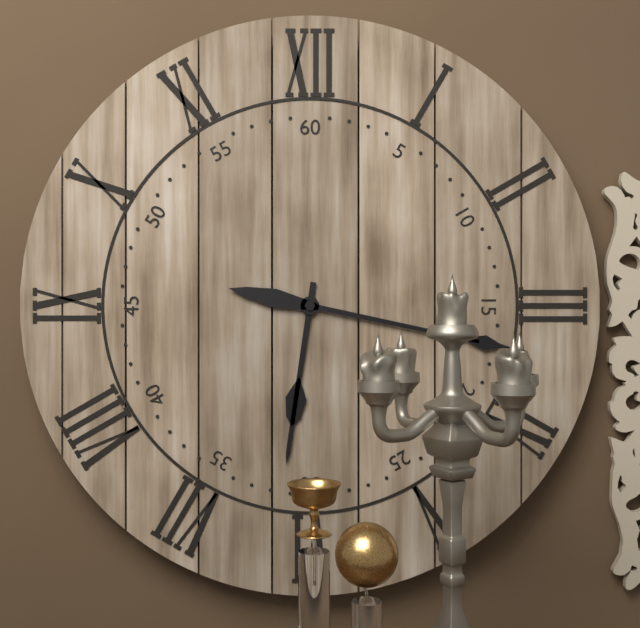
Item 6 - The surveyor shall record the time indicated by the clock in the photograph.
6:17
